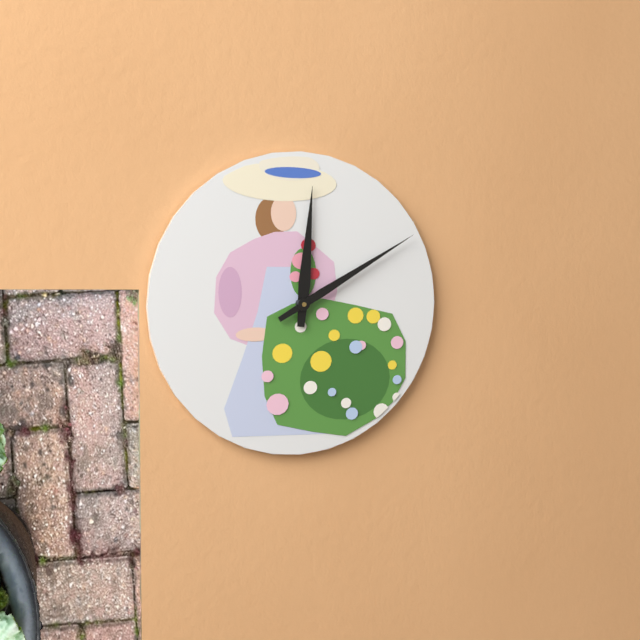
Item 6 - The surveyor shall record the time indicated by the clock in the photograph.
12:10
